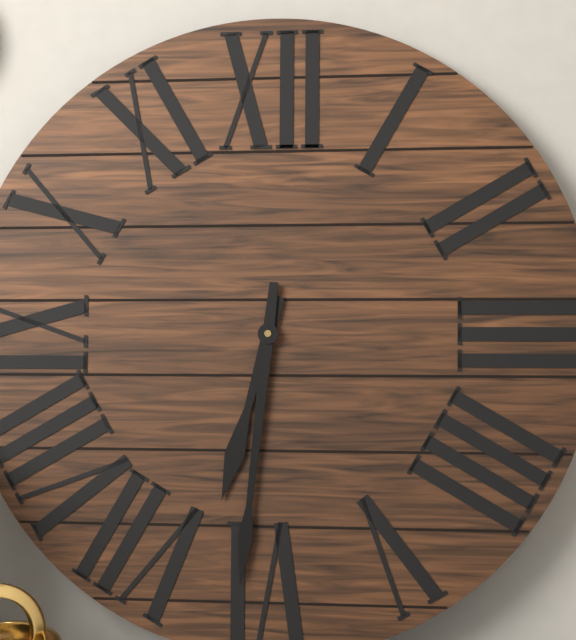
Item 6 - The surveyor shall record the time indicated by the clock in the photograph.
6:31
